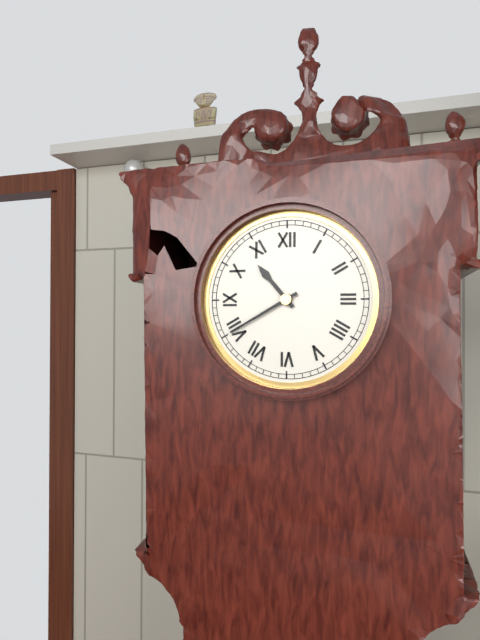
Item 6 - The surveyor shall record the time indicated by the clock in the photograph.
10:40
